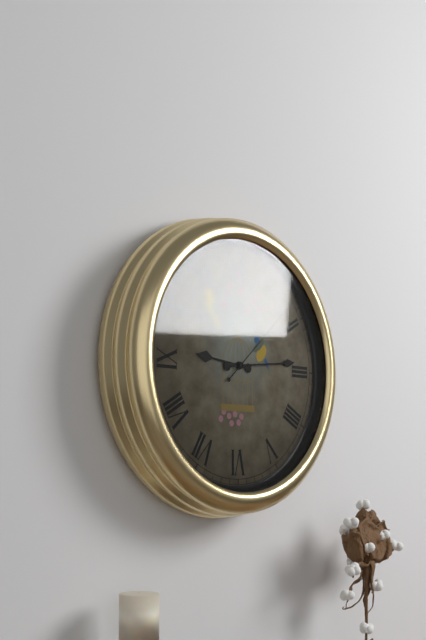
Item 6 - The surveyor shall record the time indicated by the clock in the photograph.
9:14:08
